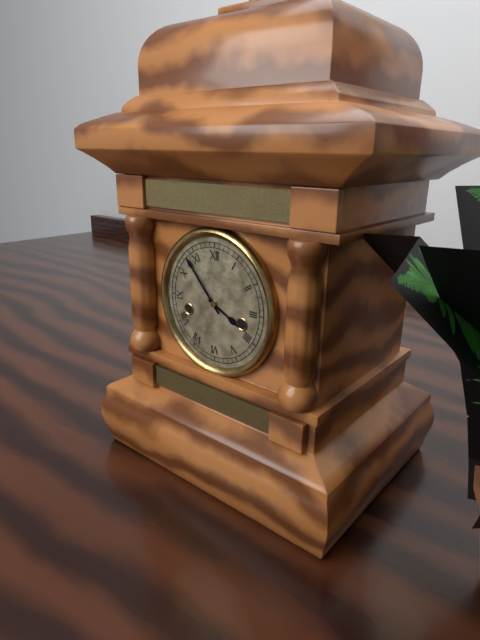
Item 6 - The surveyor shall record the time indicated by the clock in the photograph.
3:53
